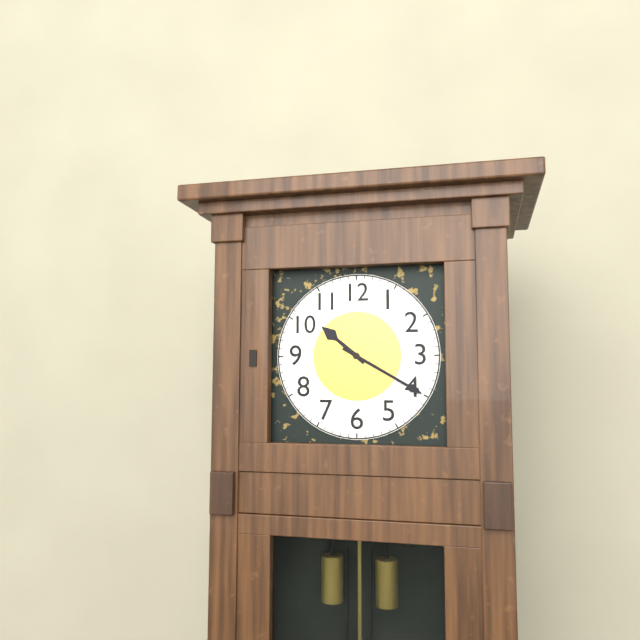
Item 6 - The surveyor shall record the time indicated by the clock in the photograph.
10:20
